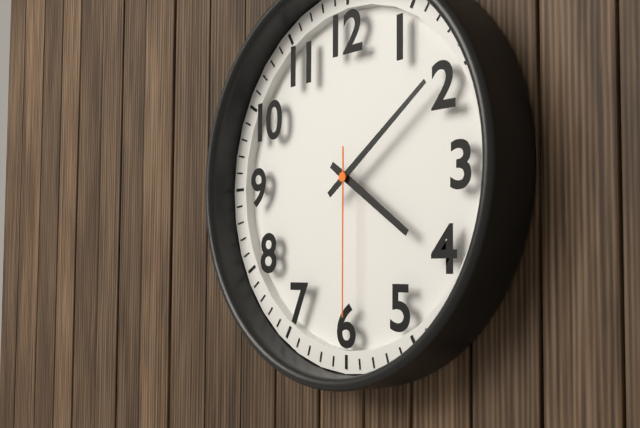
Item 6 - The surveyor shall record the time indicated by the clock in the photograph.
4:09:30
